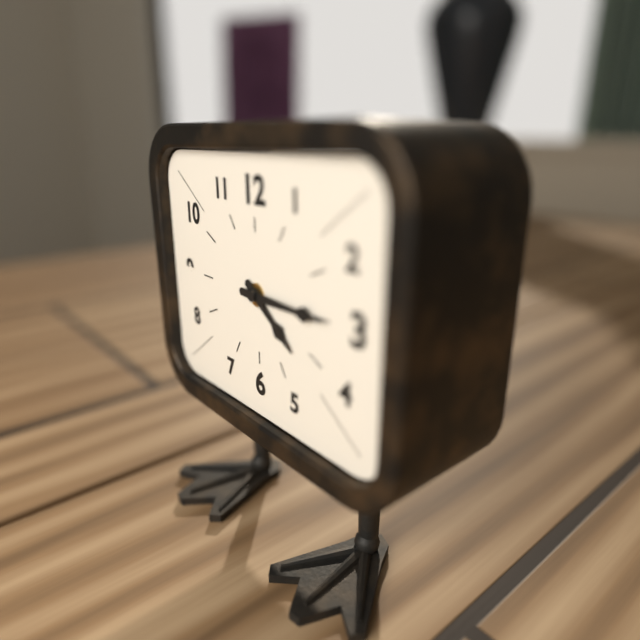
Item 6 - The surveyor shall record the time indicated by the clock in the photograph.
4:15
